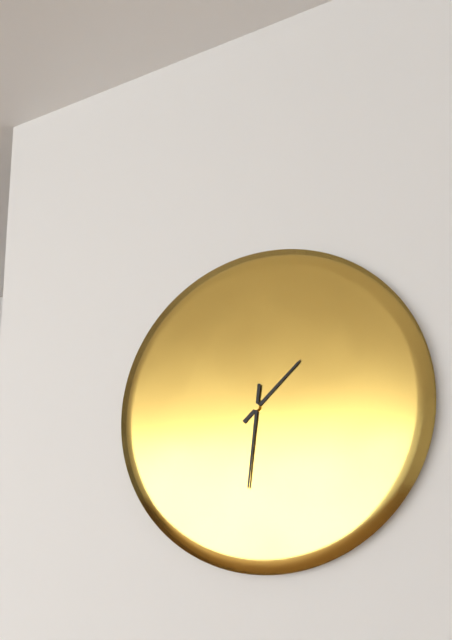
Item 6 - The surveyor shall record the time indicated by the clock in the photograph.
1:31
